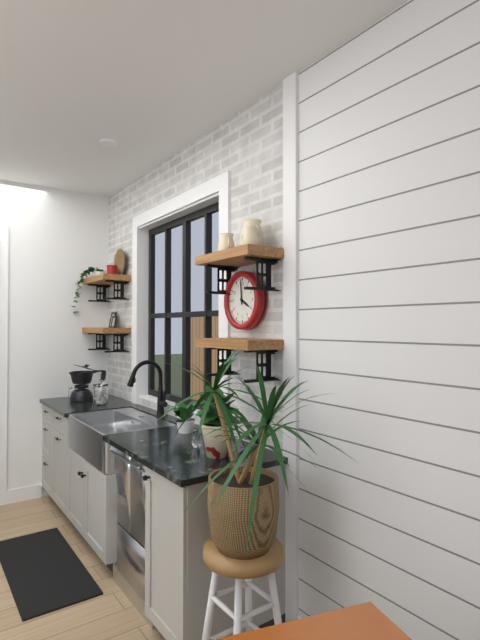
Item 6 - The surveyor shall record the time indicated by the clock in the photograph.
3:59
